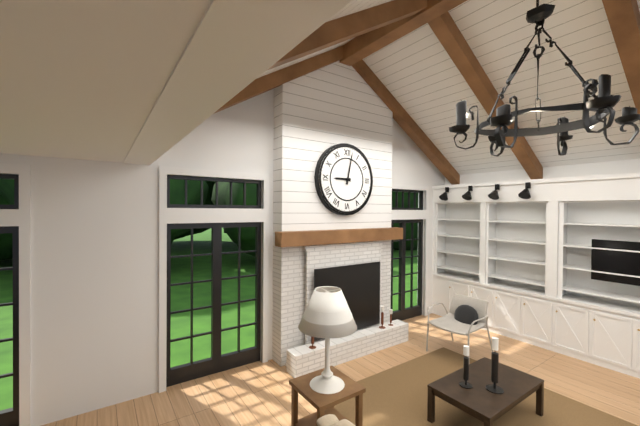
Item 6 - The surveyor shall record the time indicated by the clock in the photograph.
9:02
